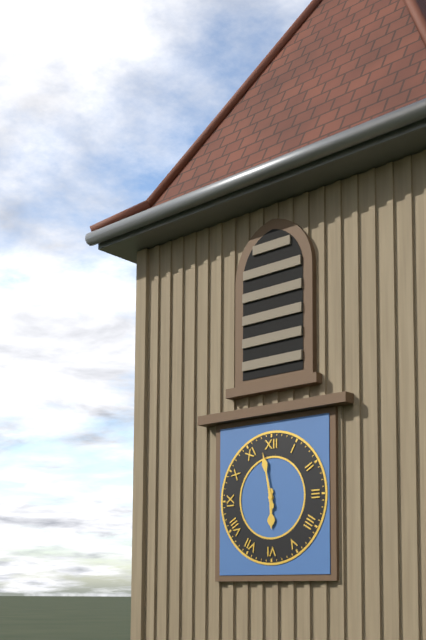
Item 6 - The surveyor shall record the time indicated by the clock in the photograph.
5:58
